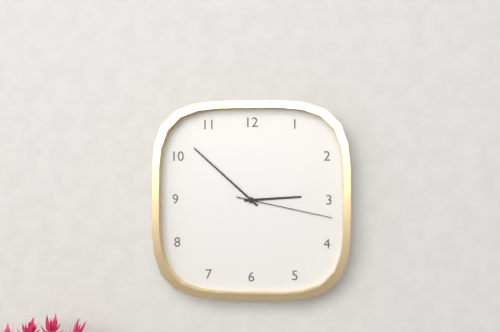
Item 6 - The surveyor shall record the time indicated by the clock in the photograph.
2:52:17
